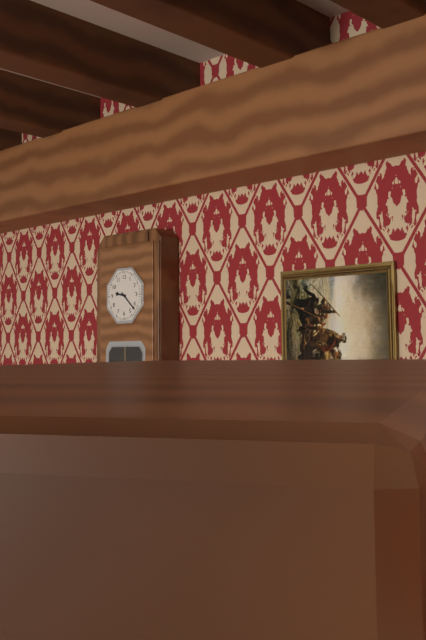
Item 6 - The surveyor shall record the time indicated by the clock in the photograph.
9:22
